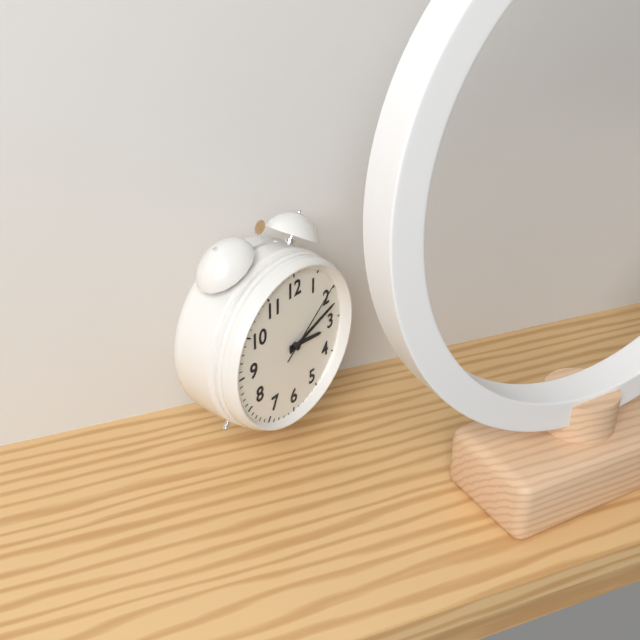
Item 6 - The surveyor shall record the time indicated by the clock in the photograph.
3:12:09
